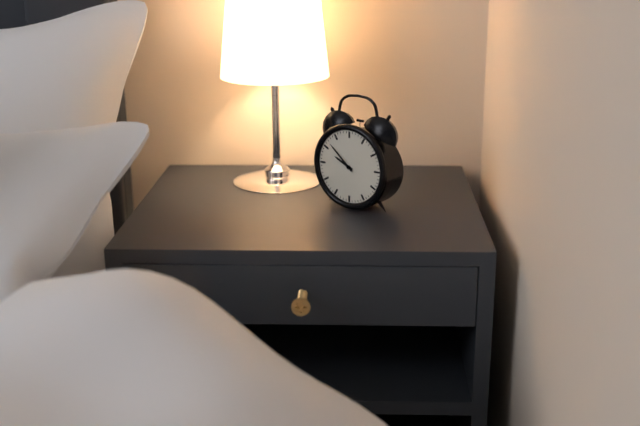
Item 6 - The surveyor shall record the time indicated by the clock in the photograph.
9:52
